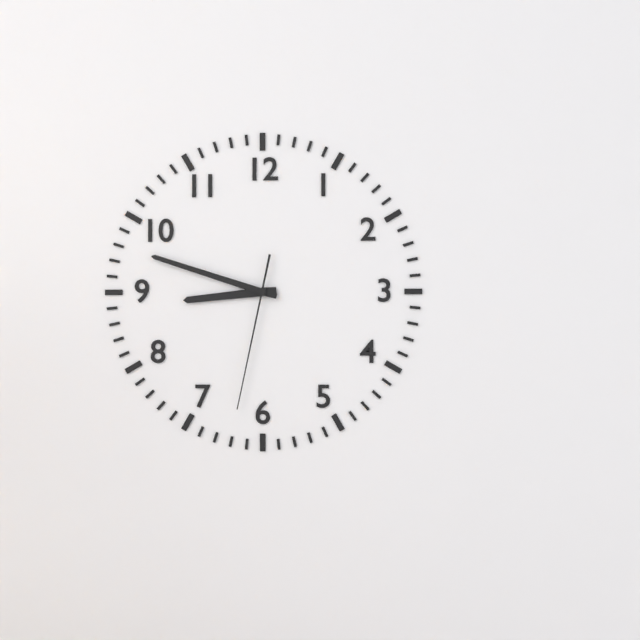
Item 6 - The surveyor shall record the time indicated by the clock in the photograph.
8:48:32
